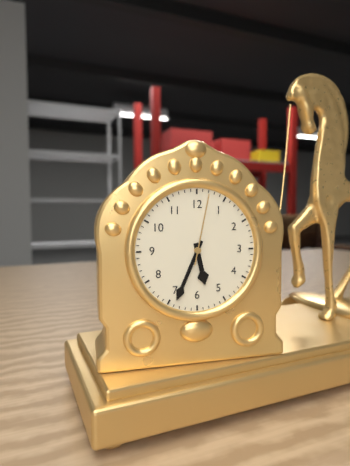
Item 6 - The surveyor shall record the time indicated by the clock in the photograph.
5:34:02
